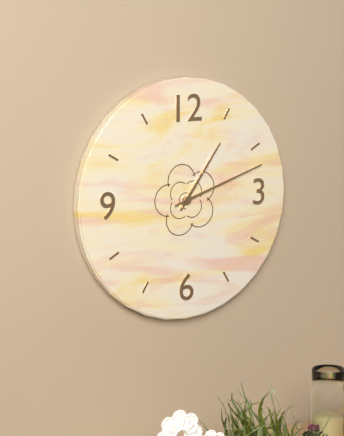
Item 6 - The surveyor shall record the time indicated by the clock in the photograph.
1:12
